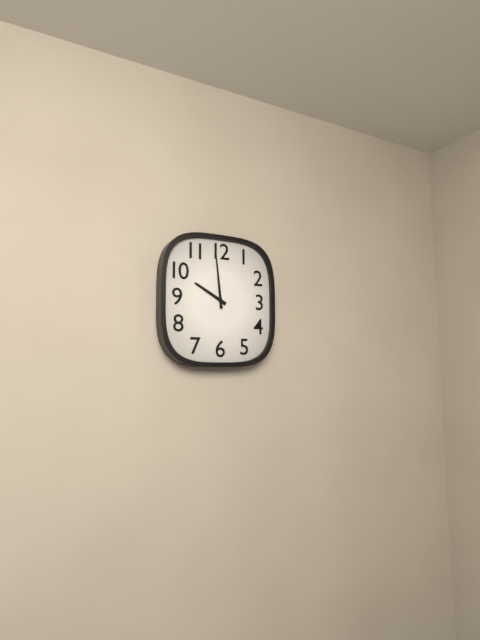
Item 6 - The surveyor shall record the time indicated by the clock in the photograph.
9:59
